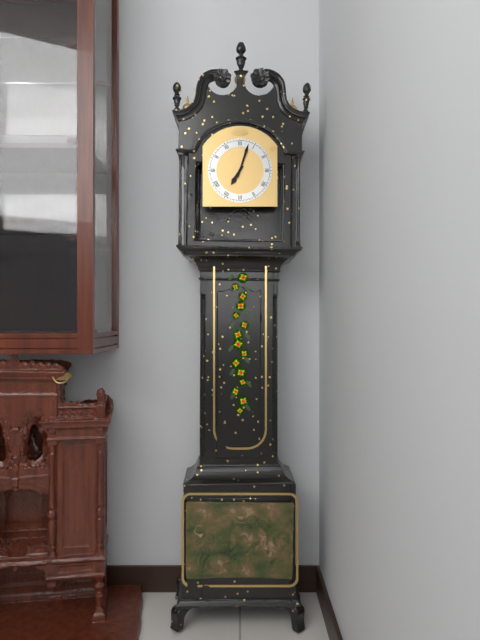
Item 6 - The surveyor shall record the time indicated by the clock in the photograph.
7:03
